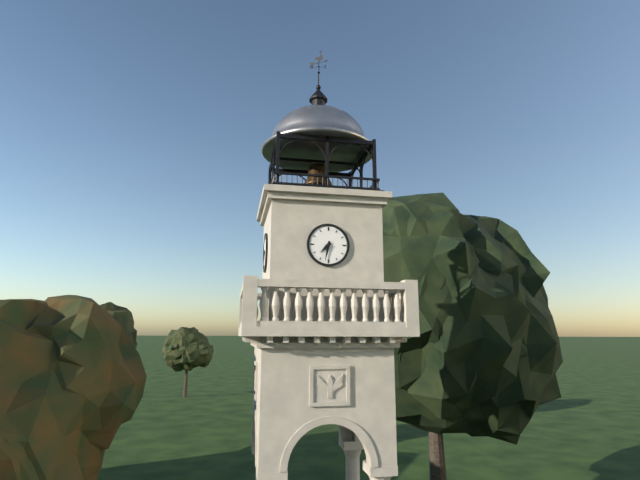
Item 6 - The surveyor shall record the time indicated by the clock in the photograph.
7:32
